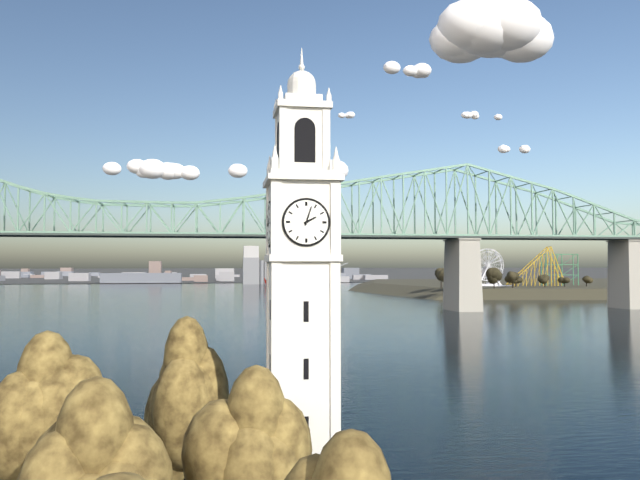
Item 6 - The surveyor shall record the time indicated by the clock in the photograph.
2:03
